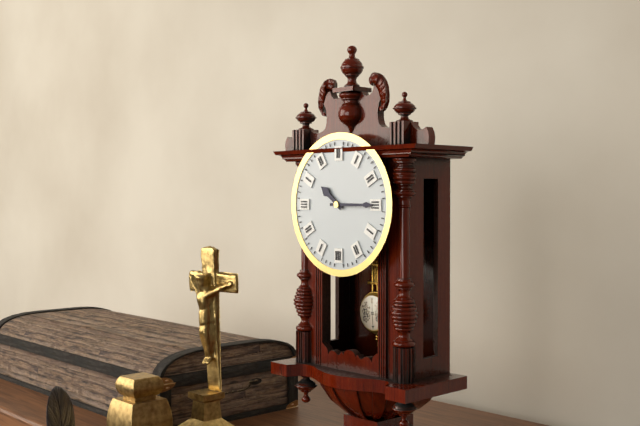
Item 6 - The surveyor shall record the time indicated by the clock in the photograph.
10:15
